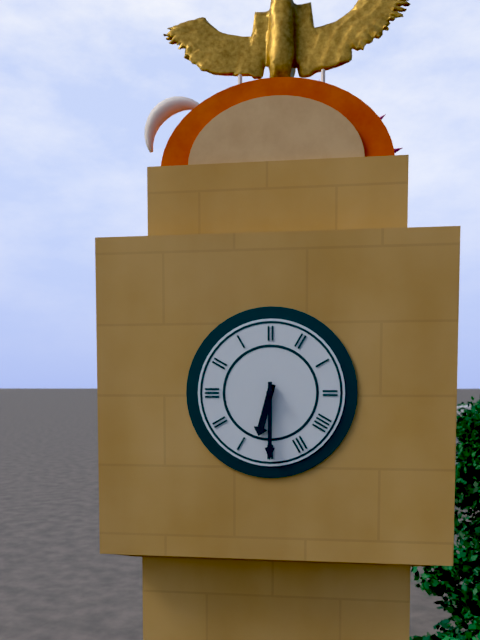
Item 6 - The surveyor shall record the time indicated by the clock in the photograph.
6:30
